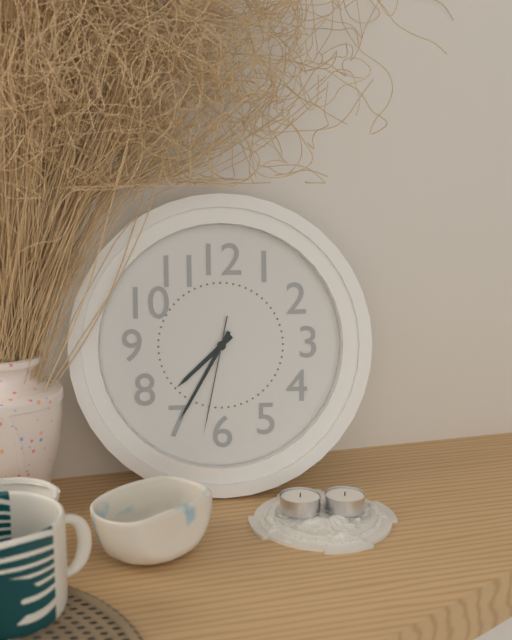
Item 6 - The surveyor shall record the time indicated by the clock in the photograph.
7:35:32
